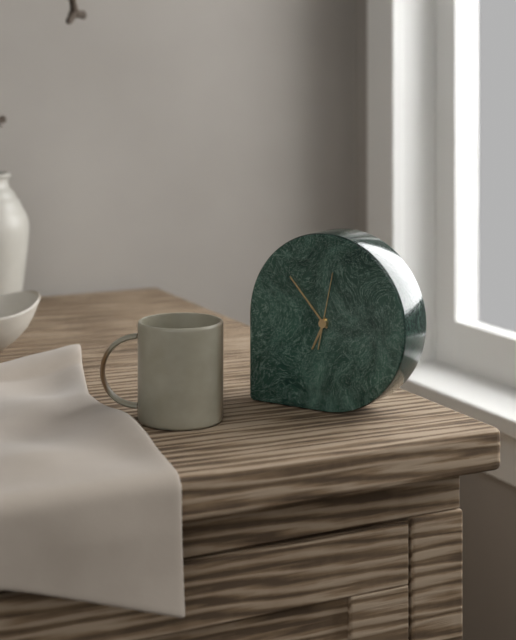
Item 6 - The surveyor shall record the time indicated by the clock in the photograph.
6:53:02
